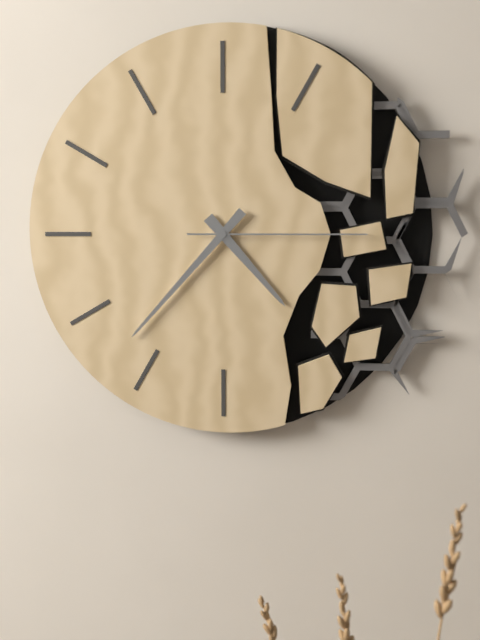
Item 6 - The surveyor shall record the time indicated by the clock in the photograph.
4:37:15
